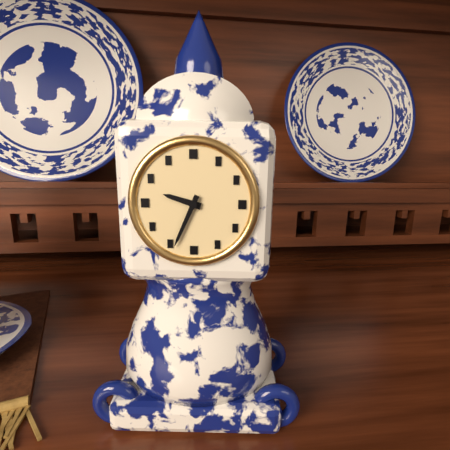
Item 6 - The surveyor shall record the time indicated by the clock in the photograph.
9:34
